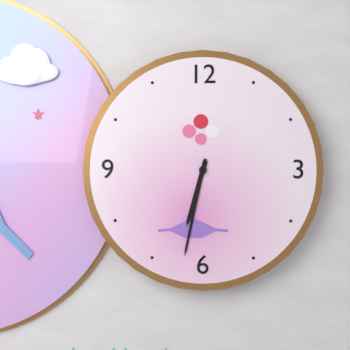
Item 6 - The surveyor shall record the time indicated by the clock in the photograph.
6:32
